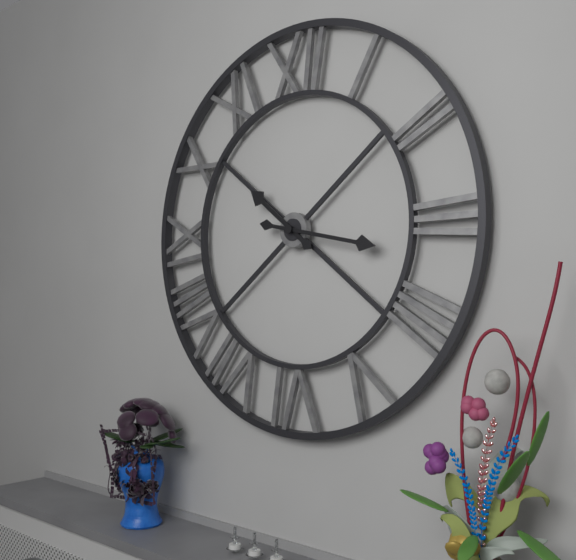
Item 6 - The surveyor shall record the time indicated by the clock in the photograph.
10:17
